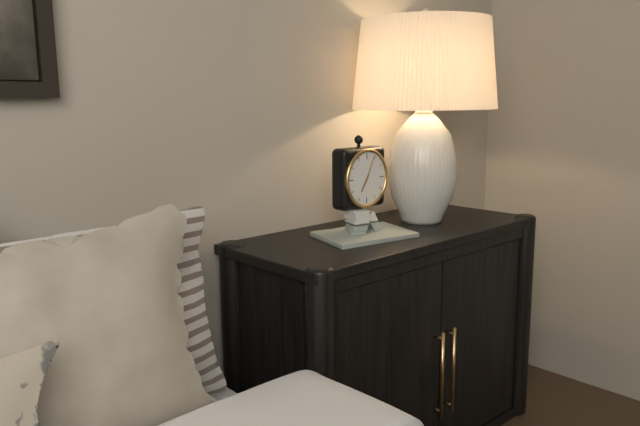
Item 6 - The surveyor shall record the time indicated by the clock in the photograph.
7:04
